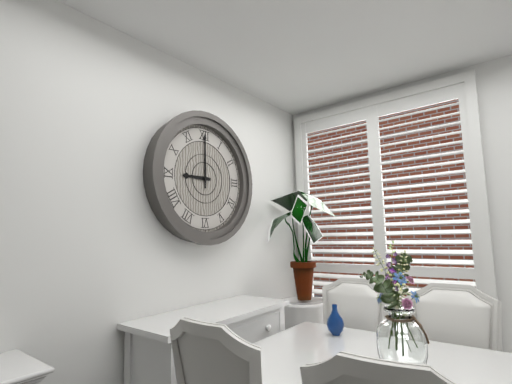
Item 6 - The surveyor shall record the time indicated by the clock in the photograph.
9:00
